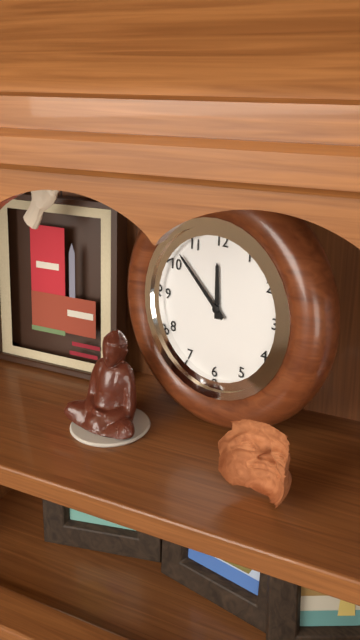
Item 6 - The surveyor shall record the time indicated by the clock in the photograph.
11:52
